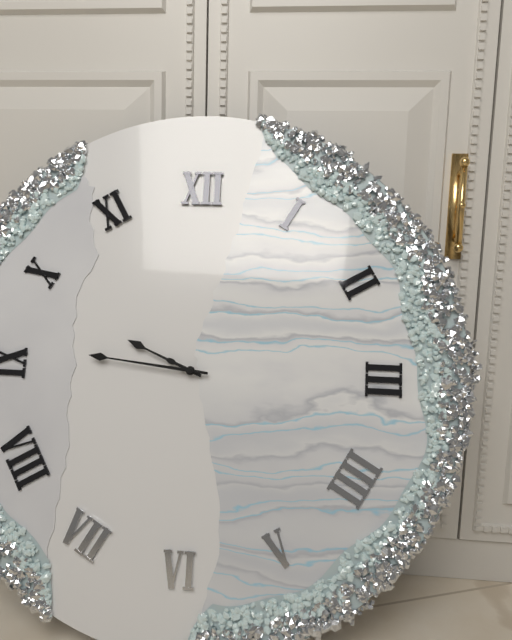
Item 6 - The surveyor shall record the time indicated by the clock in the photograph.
9:46
